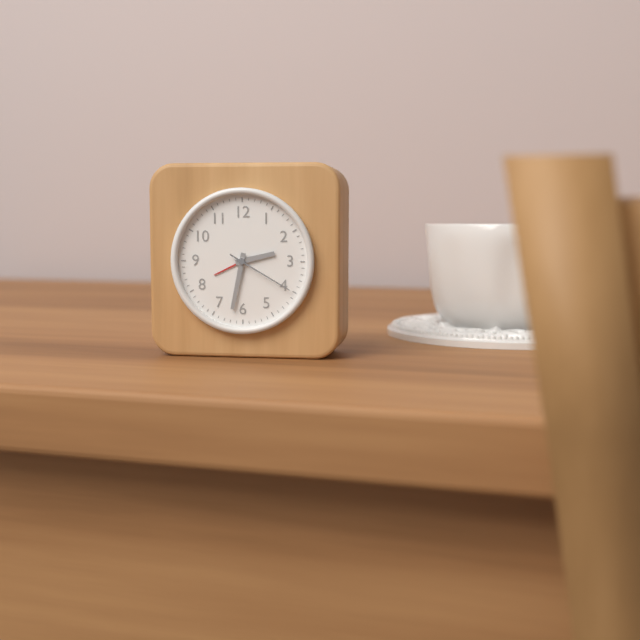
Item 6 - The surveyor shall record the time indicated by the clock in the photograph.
2:32:20
